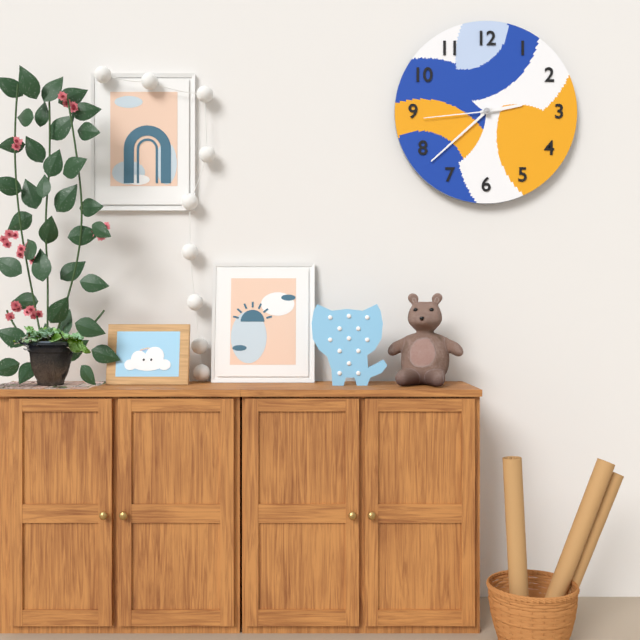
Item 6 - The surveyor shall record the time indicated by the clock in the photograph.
2:38:44
